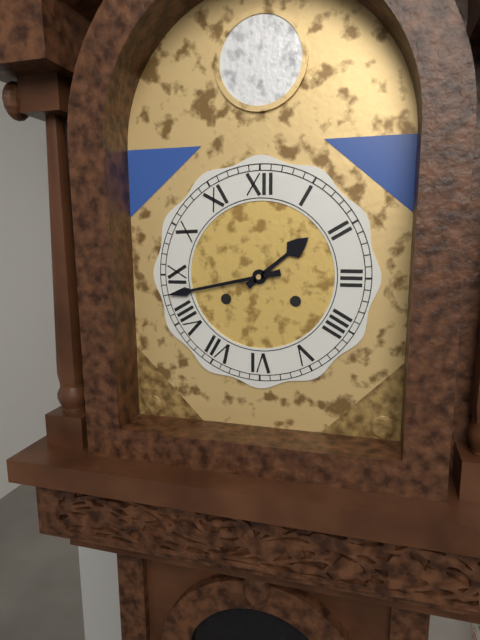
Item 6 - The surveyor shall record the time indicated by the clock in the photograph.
1:43
